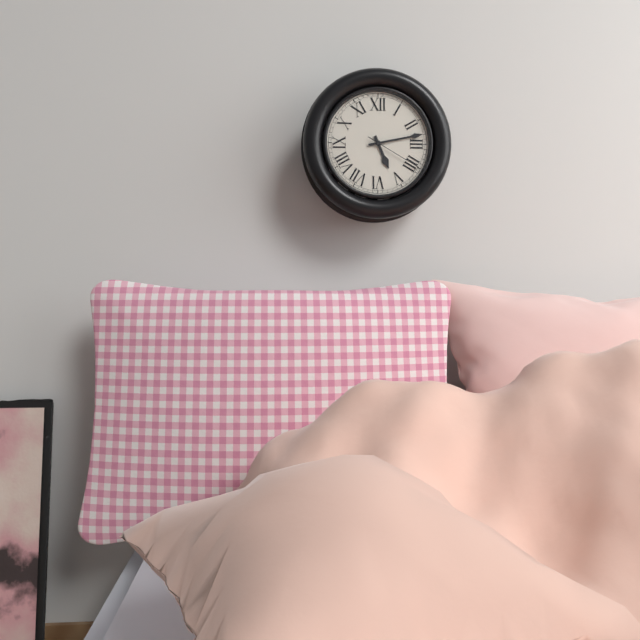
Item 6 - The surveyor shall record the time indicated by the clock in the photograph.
5:13:20
